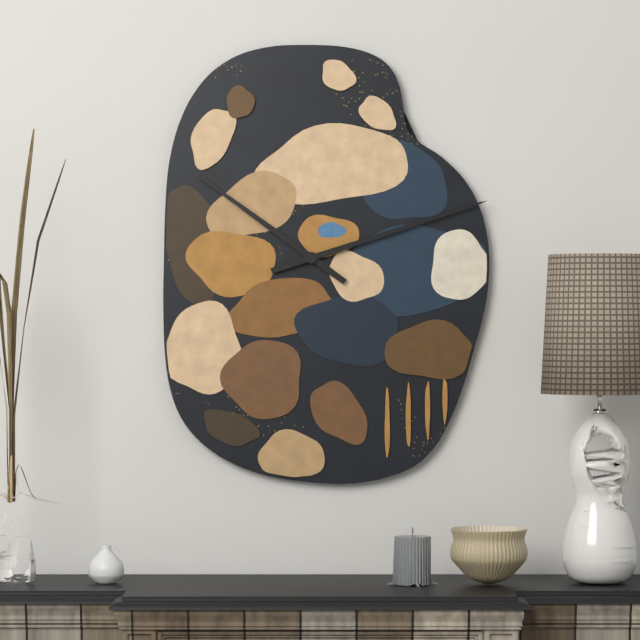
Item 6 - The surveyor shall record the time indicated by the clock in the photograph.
10:12
